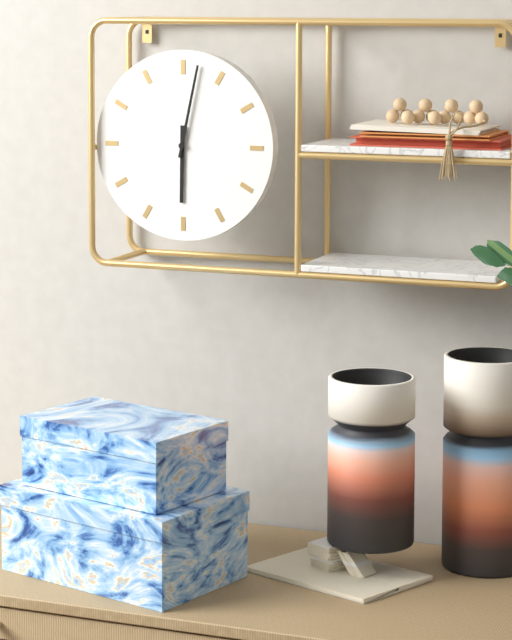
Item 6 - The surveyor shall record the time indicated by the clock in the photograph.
6:02
